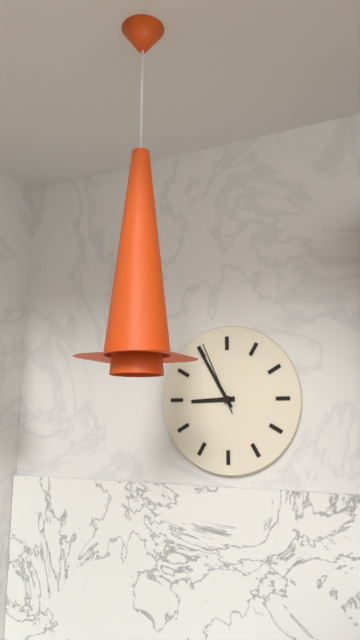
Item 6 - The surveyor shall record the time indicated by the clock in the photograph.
8:55:56
